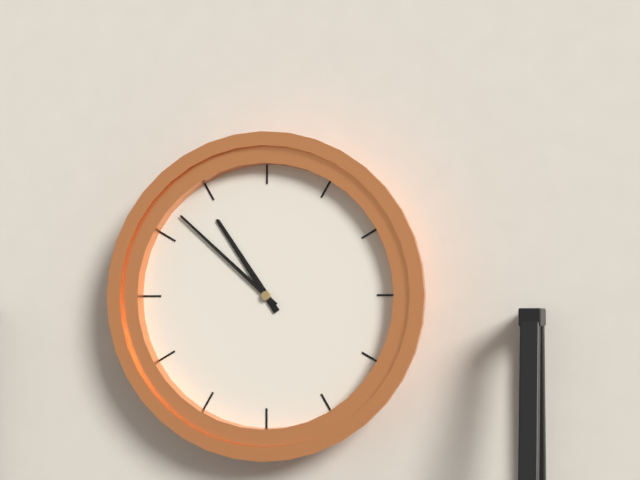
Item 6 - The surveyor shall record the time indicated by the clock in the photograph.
10:52
